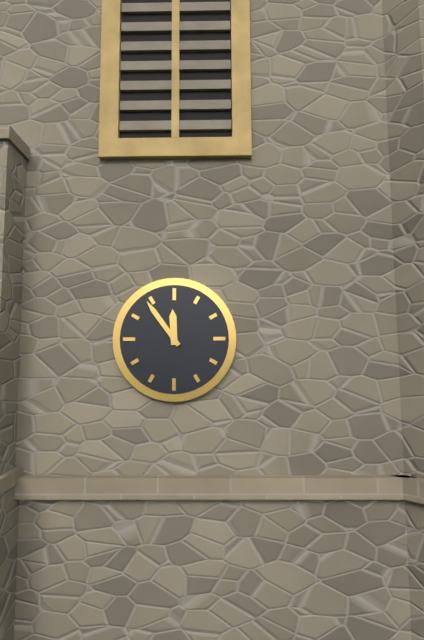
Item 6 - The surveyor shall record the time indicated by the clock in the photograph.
11:54
